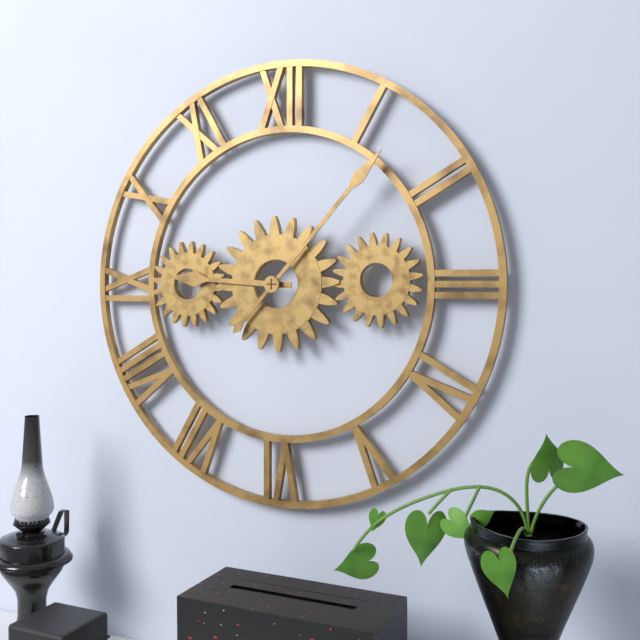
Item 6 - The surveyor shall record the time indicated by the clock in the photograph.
9:07
